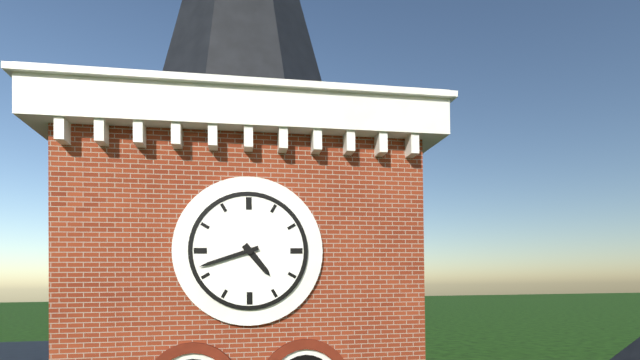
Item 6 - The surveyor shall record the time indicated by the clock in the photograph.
4:42
